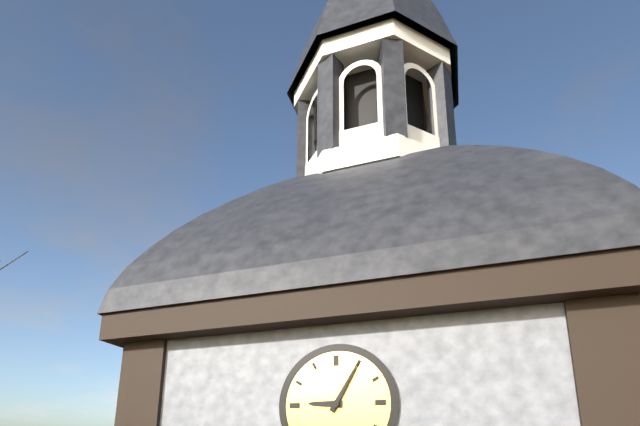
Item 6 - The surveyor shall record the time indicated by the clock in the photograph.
9:05
